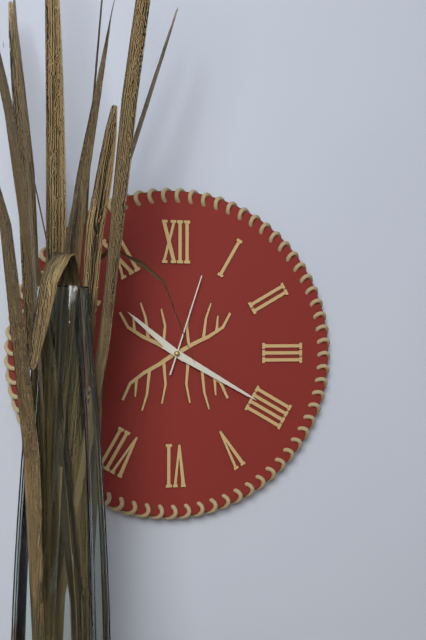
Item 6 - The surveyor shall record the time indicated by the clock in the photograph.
10:20:03
